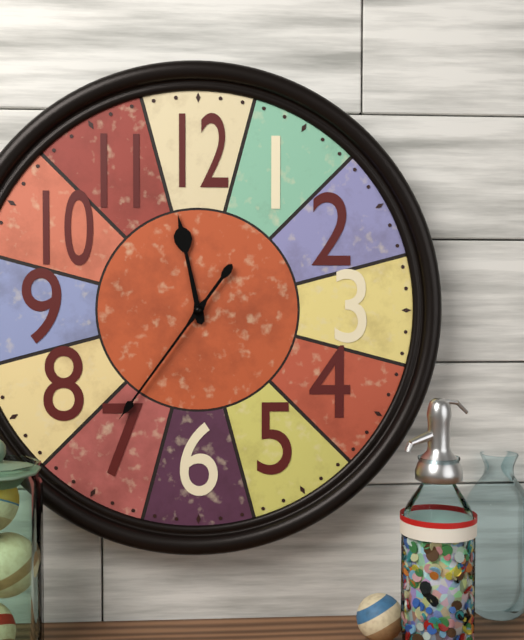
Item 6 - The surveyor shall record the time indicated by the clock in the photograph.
11:36
